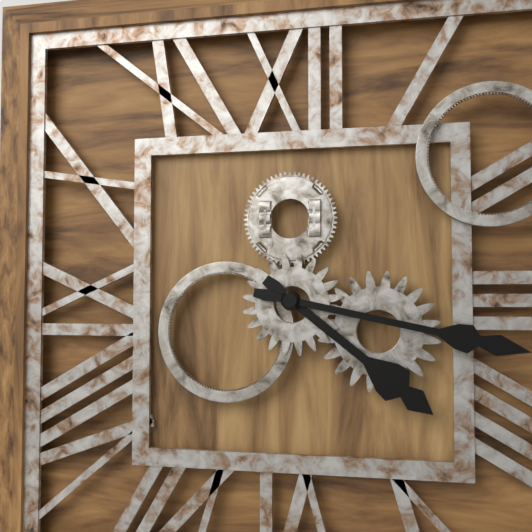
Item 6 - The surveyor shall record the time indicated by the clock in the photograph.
4:17
